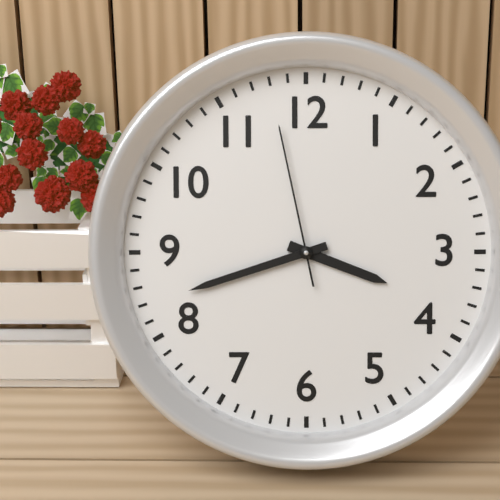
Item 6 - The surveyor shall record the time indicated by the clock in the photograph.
3:42:58
